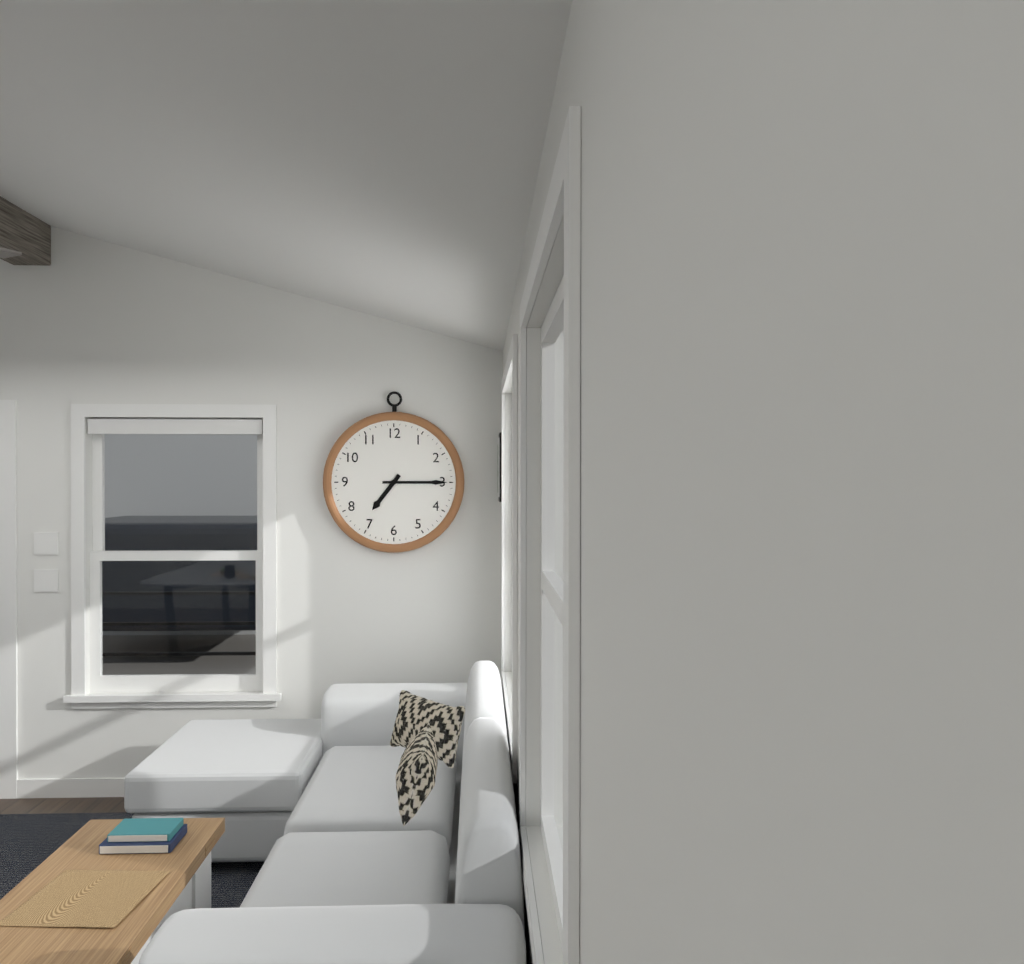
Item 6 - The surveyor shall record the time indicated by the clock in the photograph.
7:15
